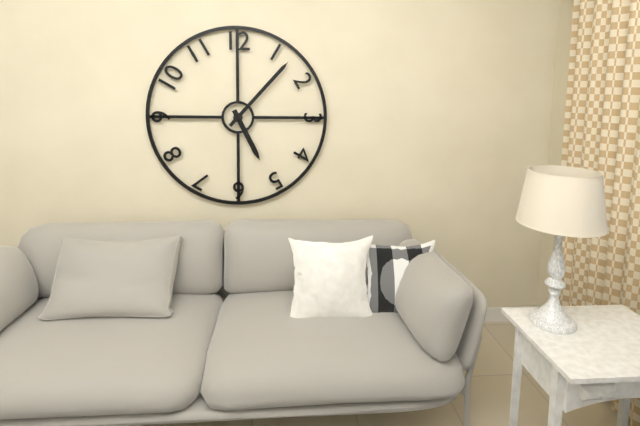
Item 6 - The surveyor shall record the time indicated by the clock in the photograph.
5:07
